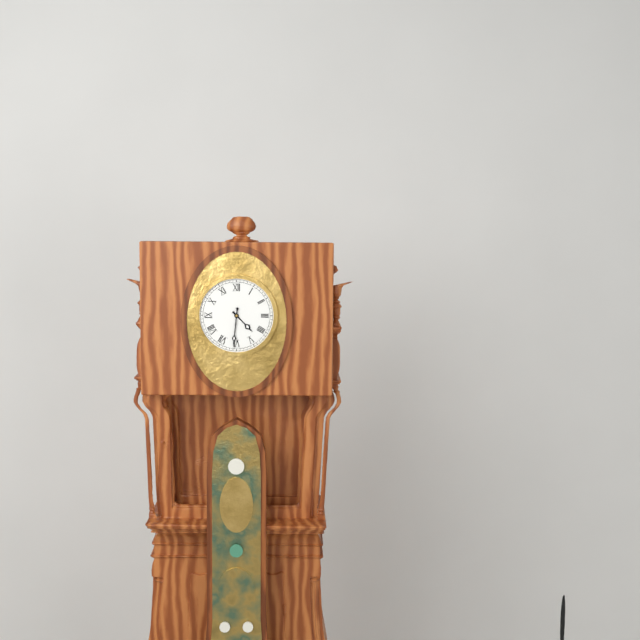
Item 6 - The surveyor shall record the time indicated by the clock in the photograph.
4:31
